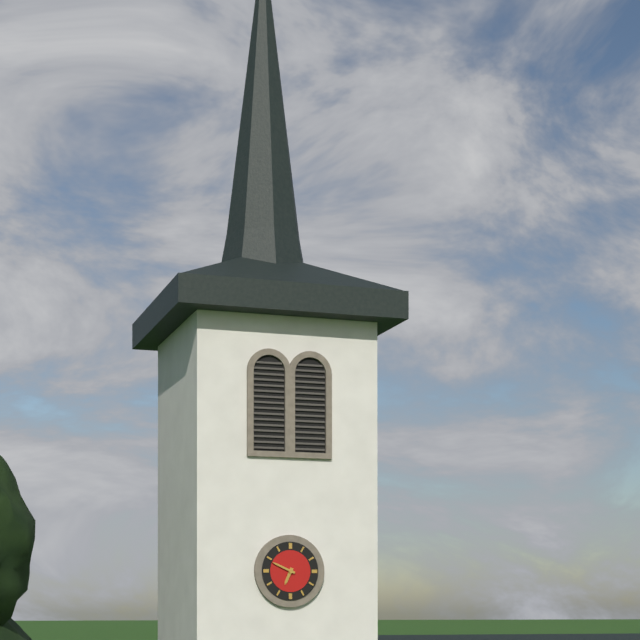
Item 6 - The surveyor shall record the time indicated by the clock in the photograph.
6:49
